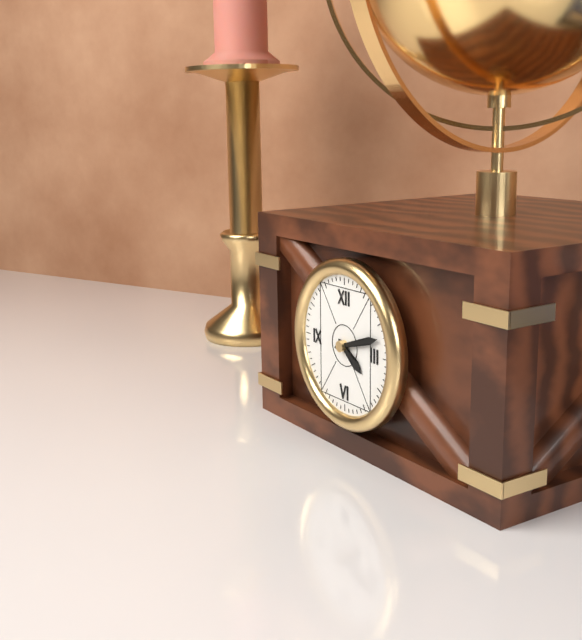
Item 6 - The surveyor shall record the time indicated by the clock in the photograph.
4:12
